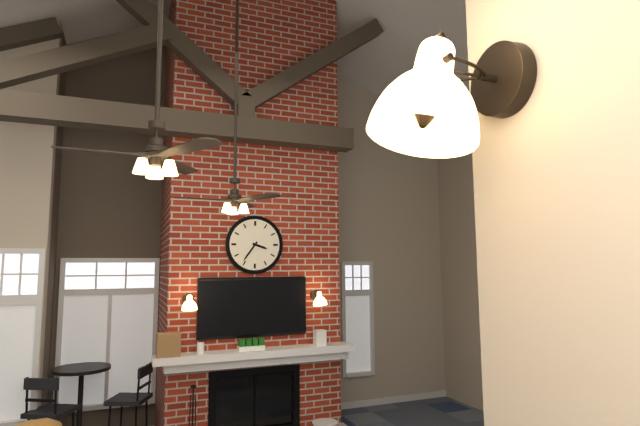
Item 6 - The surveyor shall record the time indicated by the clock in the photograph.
3:36
